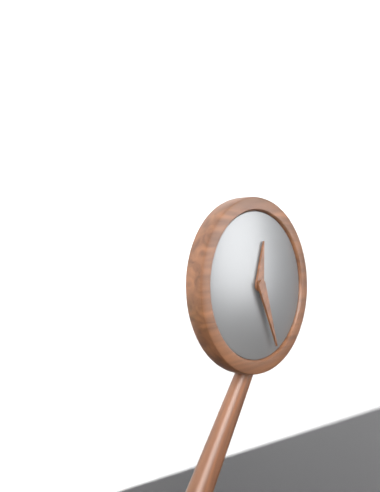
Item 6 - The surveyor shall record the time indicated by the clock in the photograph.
12:27
